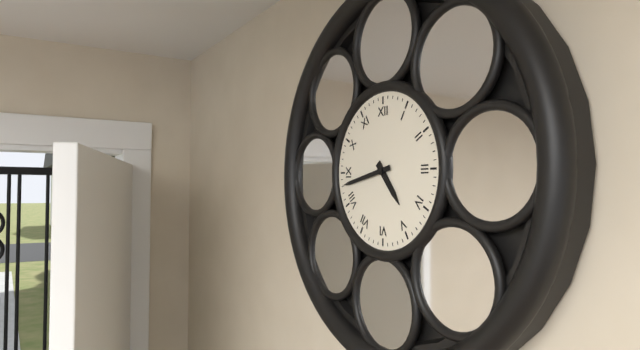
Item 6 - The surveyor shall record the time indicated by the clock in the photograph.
4:43
